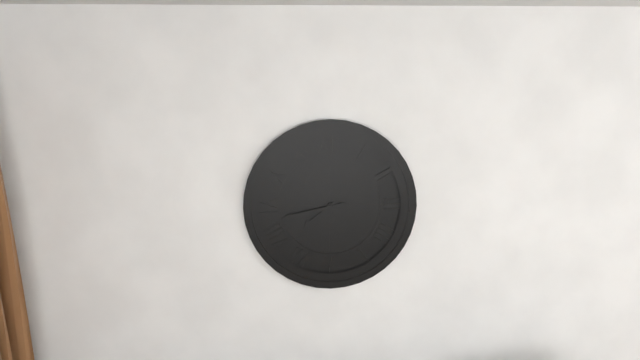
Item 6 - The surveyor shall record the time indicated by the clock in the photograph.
7:43
